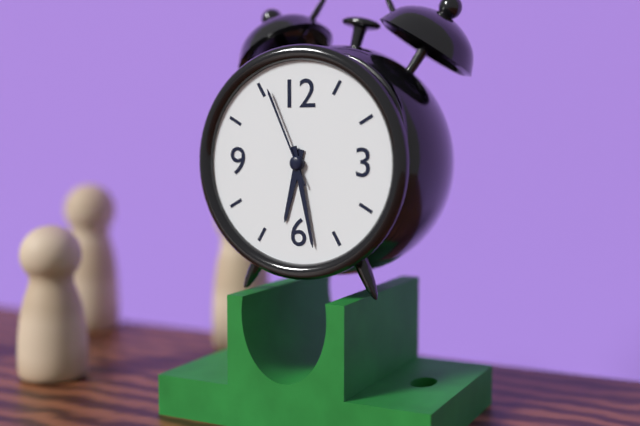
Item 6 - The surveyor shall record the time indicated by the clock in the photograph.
6:28:56
